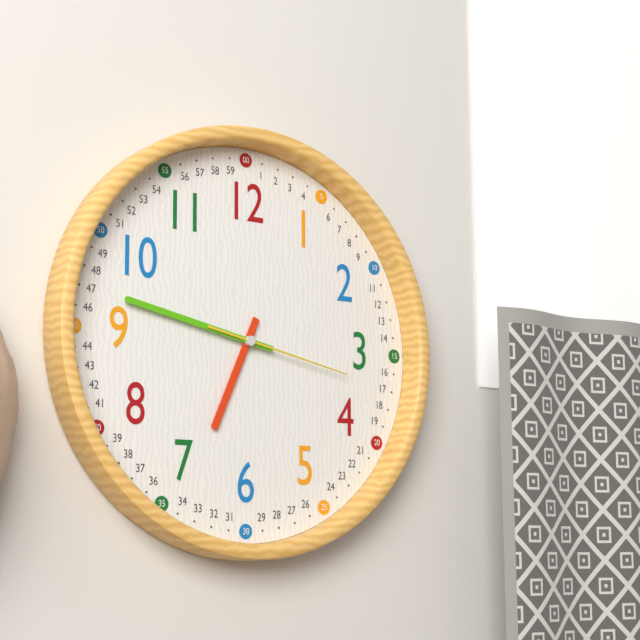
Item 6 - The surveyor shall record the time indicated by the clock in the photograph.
6:47:17
